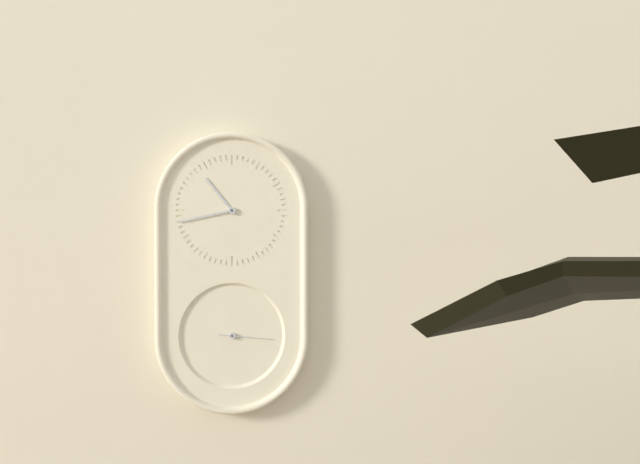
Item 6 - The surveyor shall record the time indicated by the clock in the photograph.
10:43:16
